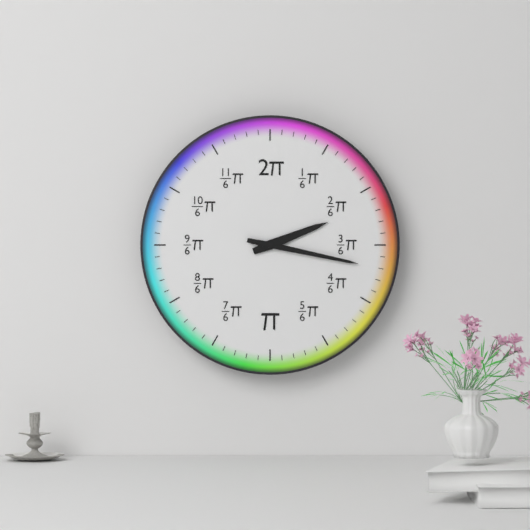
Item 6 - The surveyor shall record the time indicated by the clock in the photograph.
2:17
